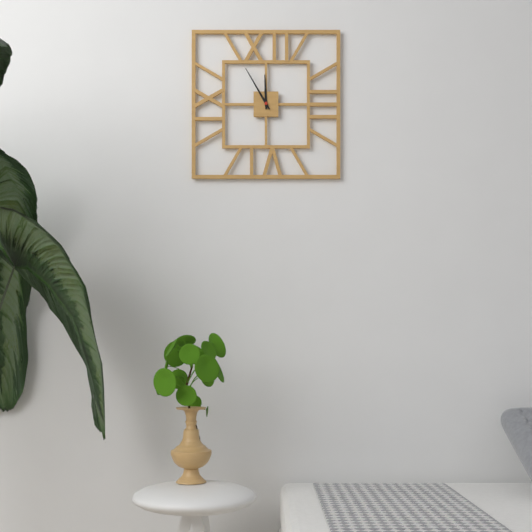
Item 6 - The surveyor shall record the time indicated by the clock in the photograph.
11:55
